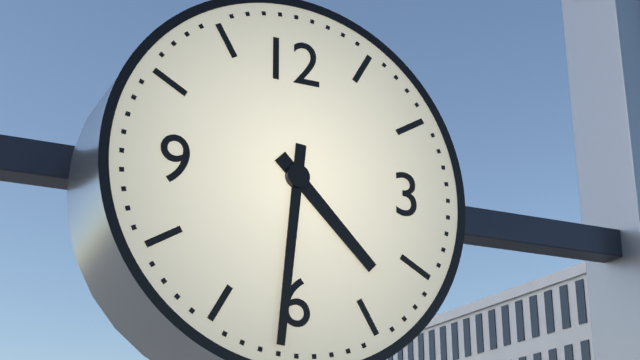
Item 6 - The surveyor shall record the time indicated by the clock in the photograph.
4:31
